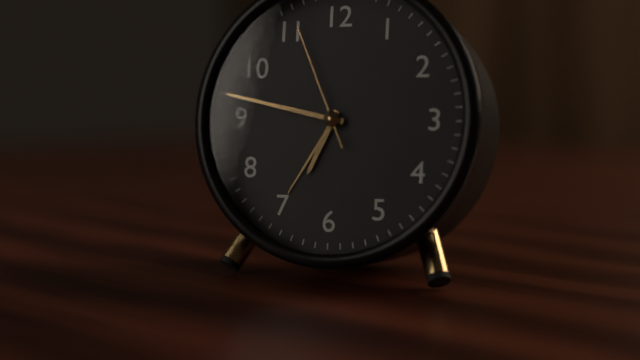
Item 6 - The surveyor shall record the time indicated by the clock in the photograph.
6:47:56
